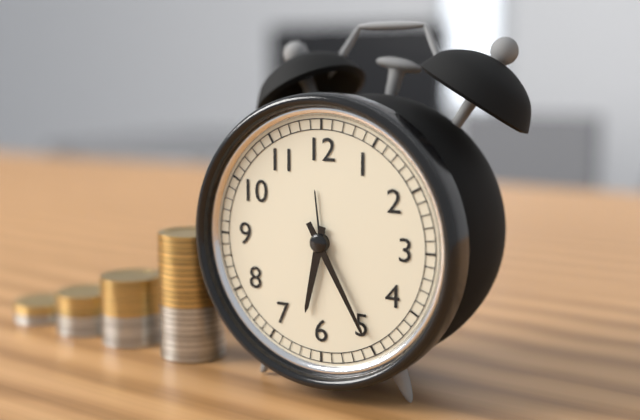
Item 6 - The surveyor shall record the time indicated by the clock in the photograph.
6:25
